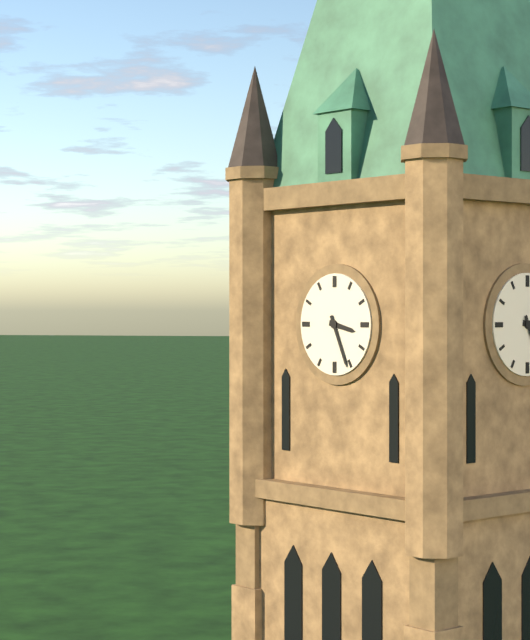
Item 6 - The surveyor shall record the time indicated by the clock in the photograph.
3:26
